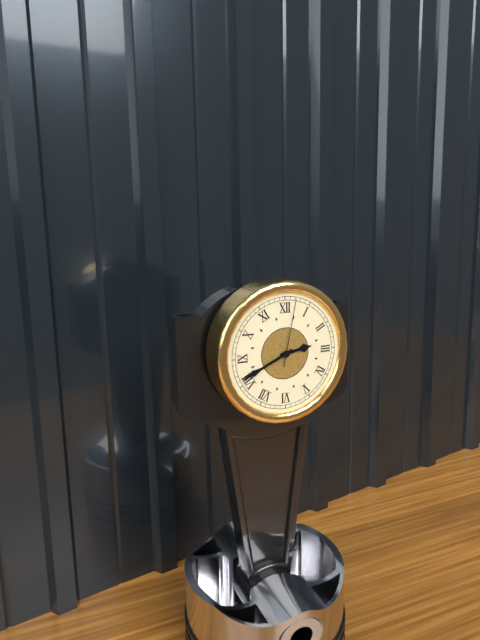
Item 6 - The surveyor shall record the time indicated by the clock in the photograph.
2:41:02
